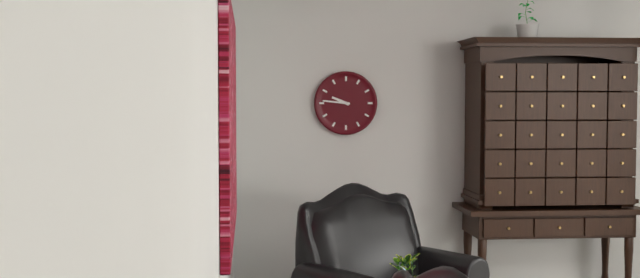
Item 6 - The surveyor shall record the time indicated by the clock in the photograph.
9:46
